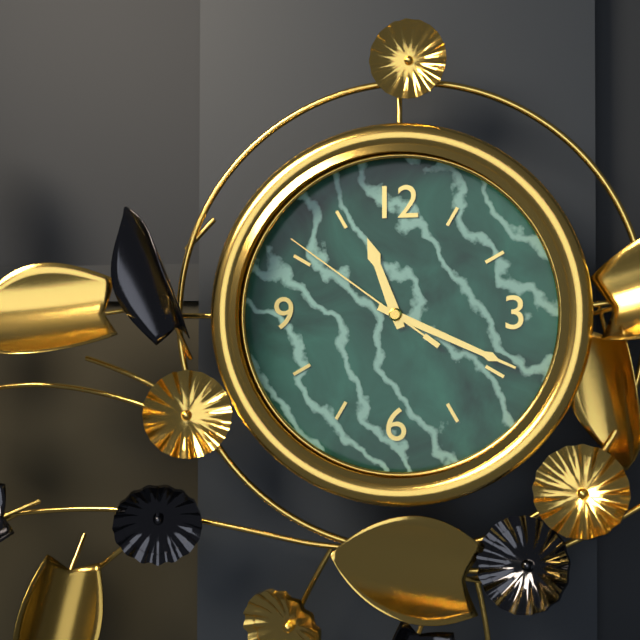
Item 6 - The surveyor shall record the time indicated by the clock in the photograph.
11:19:51
